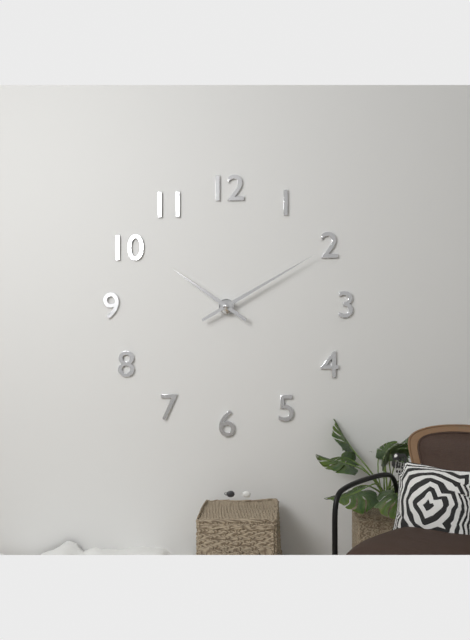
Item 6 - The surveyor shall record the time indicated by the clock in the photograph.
10:10
